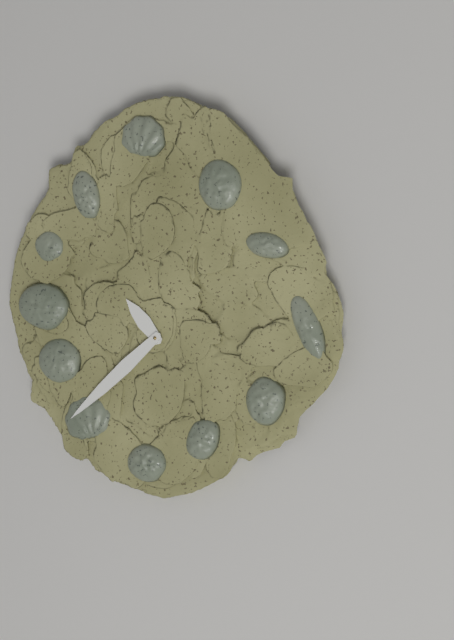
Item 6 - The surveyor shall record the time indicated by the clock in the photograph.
10:38
